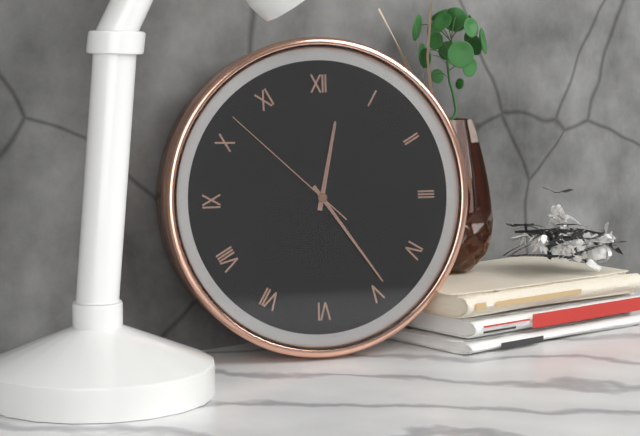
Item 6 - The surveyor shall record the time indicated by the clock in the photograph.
12:24:52
